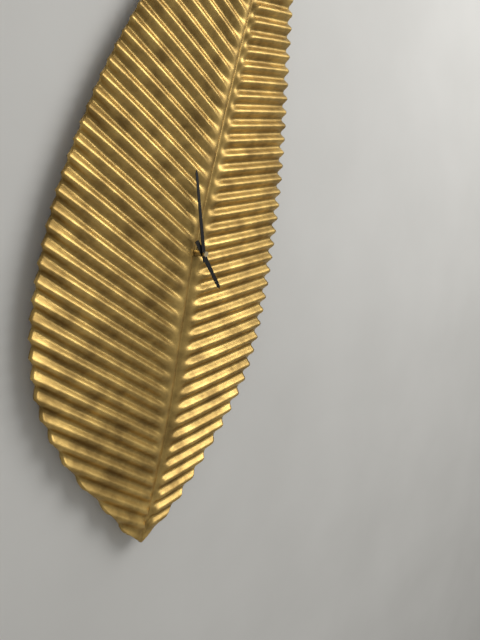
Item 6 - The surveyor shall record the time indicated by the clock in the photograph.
4:59
